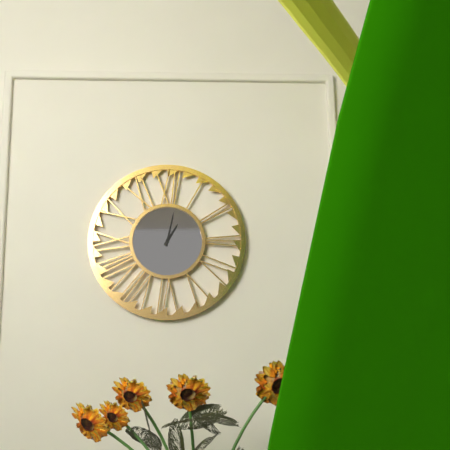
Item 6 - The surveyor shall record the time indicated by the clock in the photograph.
1:02
